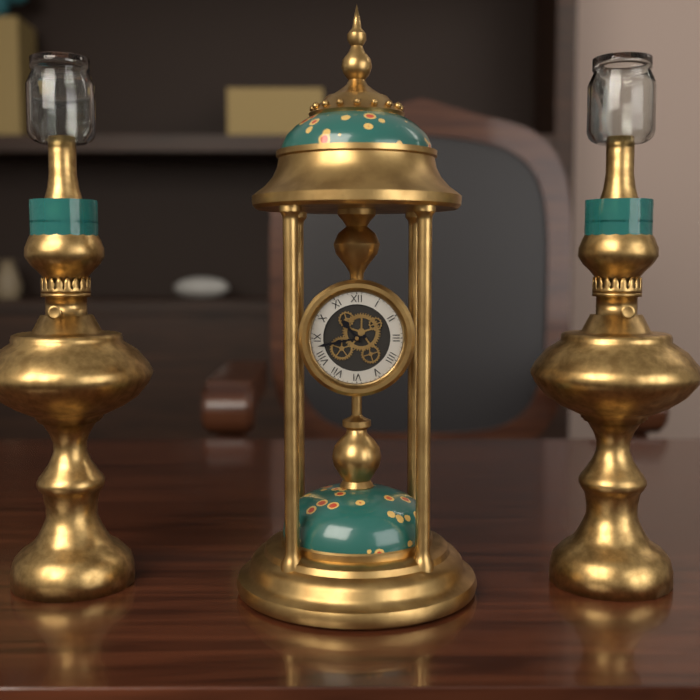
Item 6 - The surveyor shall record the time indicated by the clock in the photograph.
10:43
